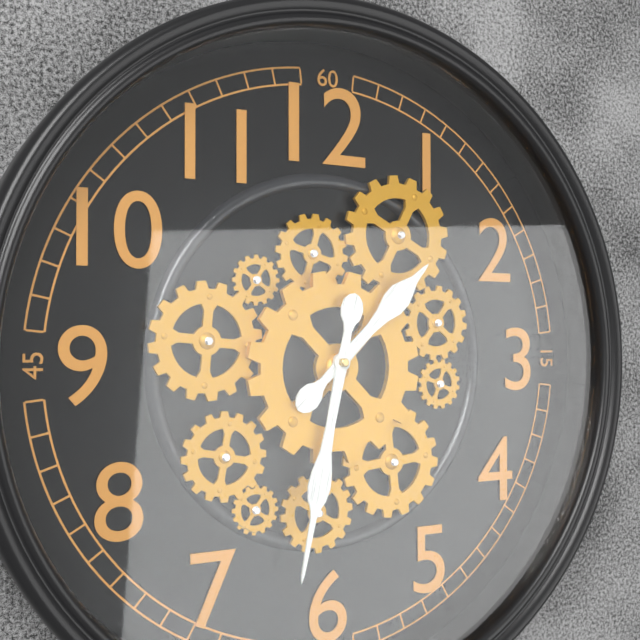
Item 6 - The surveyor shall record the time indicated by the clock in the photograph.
1:32
